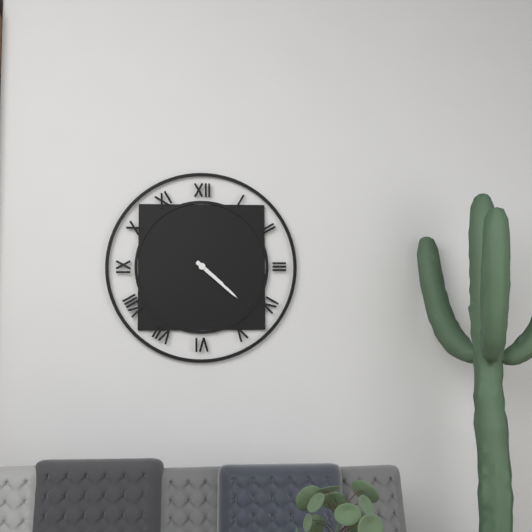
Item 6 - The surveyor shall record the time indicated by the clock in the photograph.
4:22
